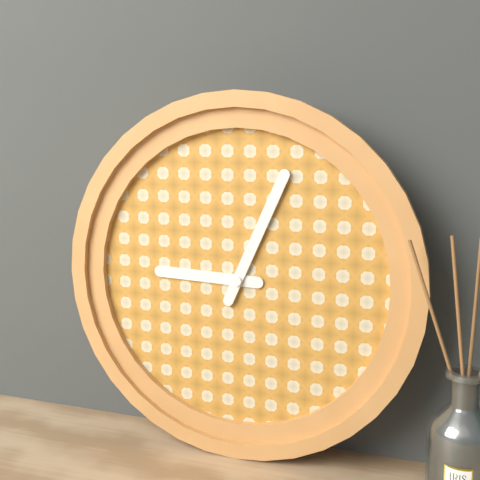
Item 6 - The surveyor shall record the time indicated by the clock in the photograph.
9:04
